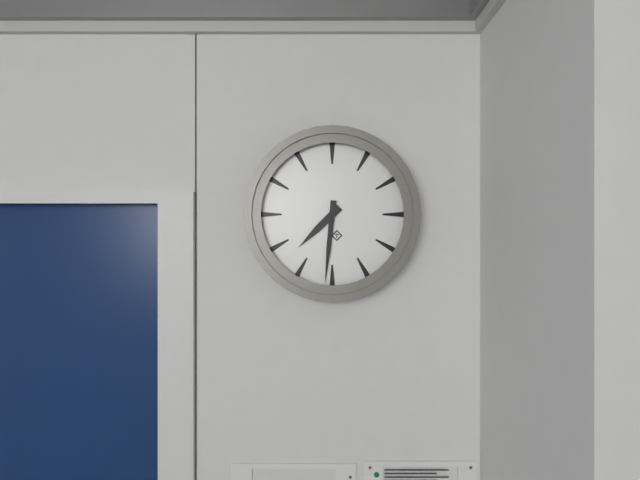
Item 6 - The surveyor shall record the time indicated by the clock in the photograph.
7:31
